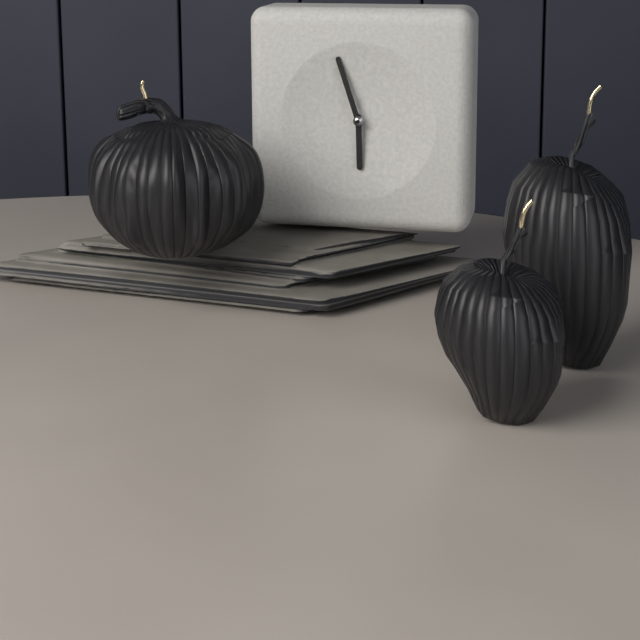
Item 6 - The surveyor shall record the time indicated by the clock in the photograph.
5:57
